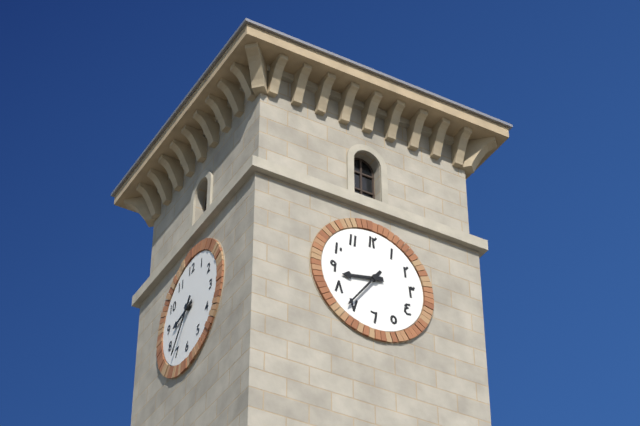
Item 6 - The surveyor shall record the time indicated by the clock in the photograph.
8:36
